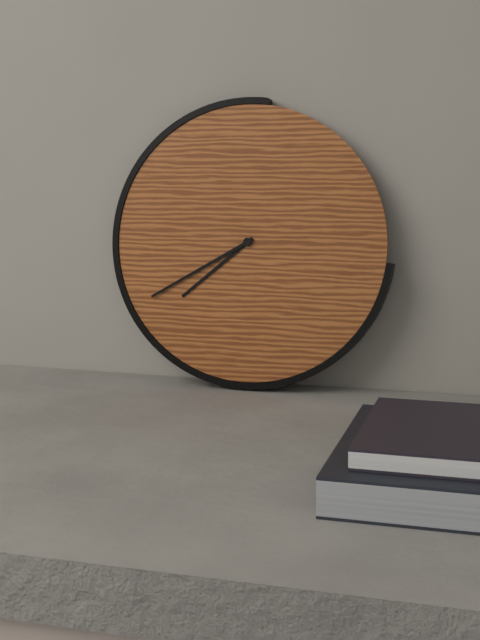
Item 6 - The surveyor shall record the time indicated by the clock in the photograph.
7:40
